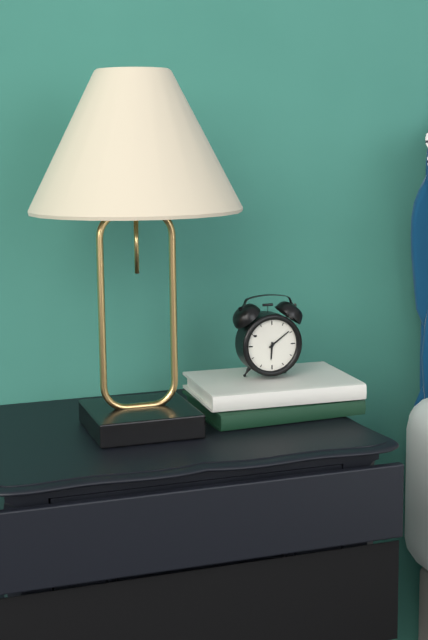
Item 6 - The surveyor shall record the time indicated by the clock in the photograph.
6:09
